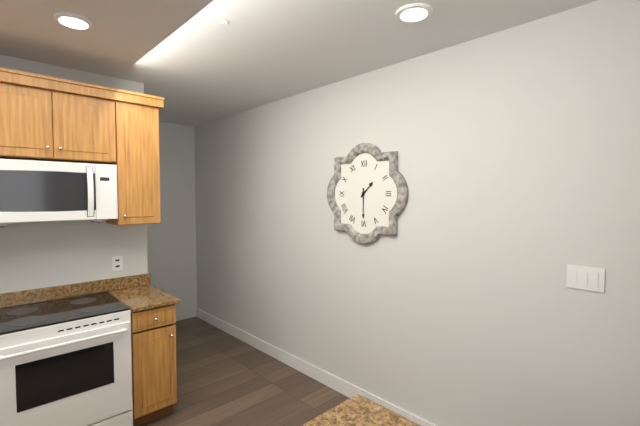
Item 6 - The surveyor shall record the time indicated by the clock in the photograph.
1:30
